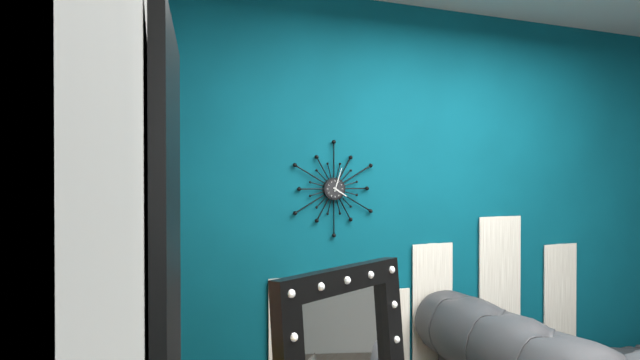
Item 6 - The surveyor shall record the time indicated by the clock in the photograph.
4:03
